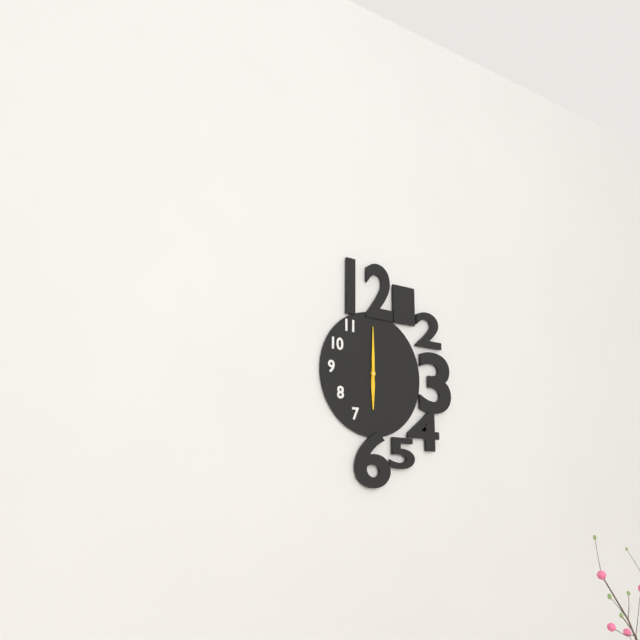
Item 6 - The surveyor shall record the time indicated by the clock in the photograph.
6:00
